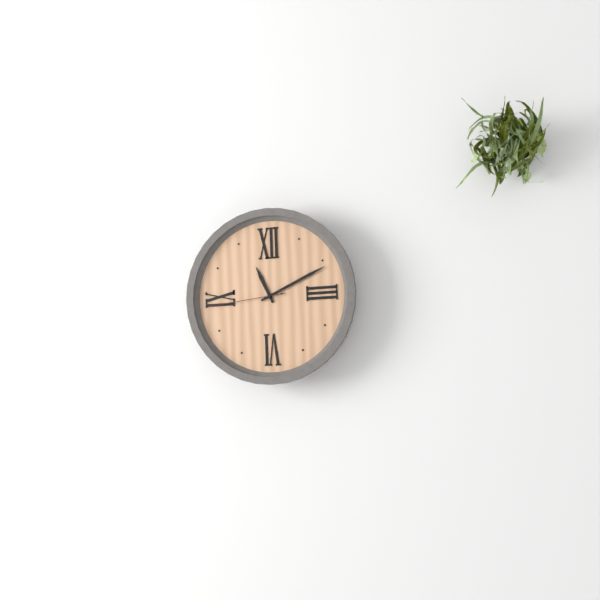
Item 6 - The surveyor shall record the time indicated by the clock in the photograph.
11:11:44
